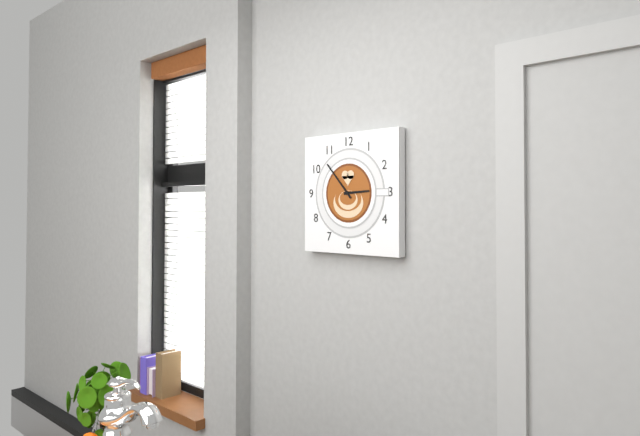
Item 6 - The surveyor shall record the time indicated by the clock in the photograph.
2:53
